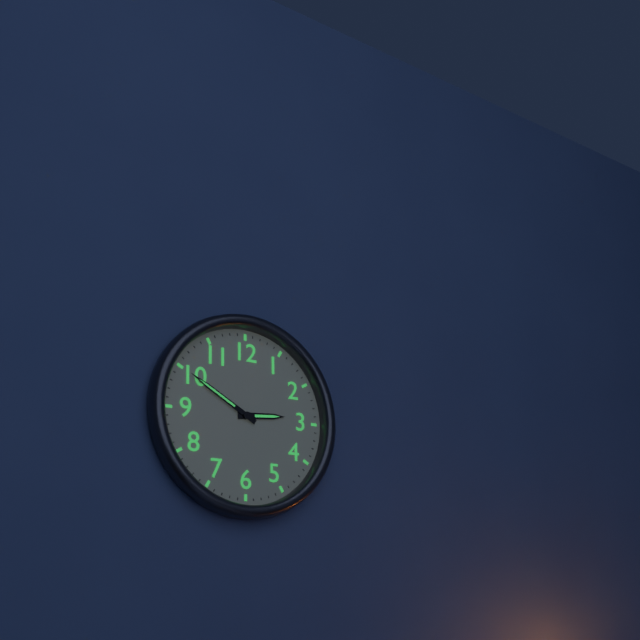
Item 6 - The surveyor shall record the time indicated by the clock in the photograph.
2:50
